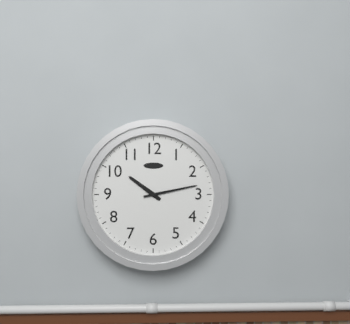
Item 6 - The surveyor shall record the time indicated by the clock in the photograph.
10:13
